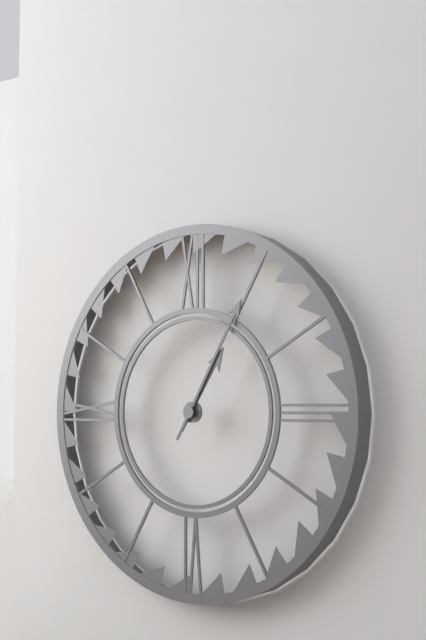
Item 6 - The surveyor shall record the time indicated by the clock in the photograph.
1:05
